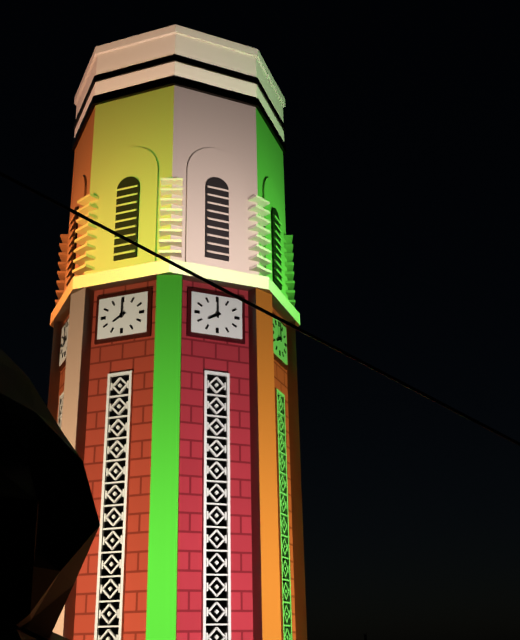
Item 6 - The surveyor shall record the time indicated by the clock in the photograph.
8:00
